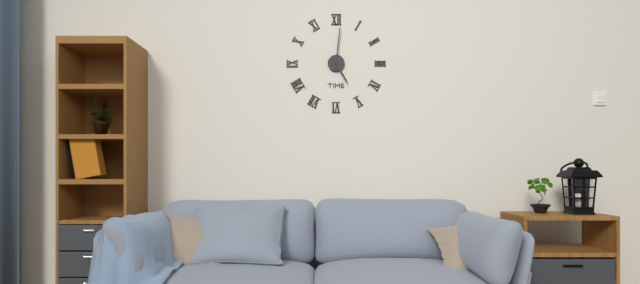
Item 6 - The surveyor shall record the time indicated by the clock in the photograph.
5:01
